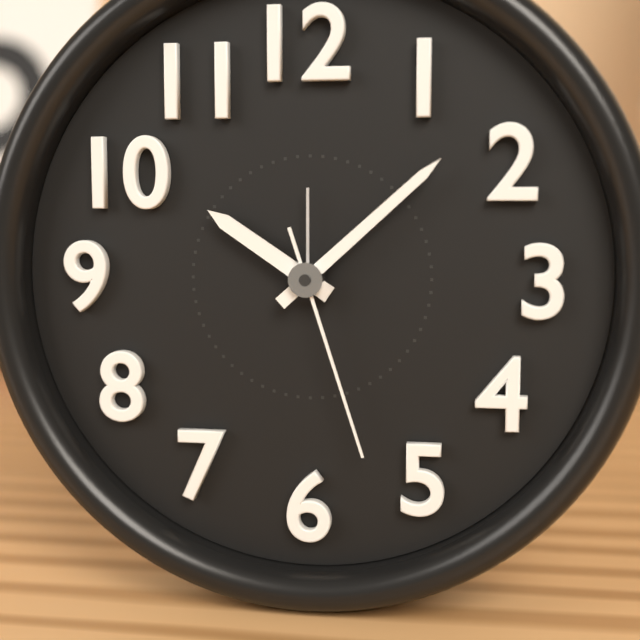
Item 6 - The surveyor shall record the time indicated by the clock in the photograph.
10:08:27
